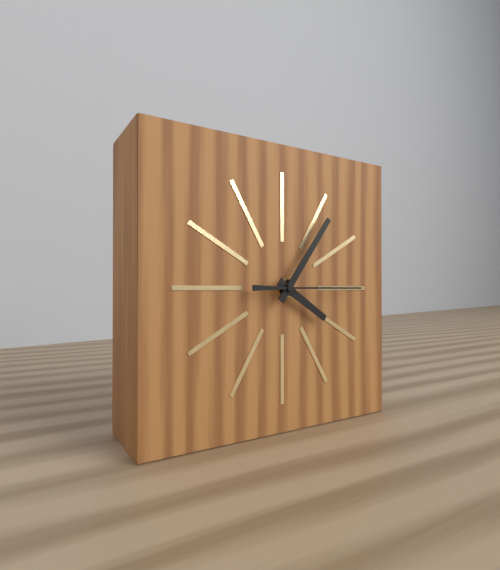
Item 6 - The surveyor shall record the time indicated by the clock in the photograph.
4:06:15
